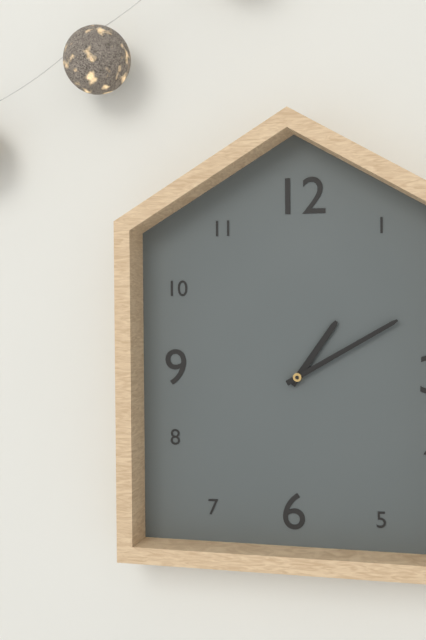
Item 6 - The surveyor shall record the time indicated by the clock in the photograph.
1:10
